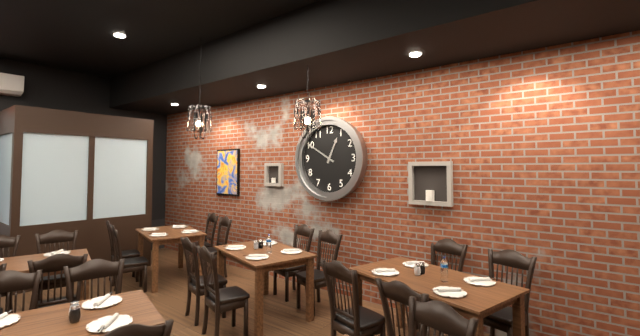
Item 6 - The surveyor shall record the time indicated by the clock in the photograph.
12:50
